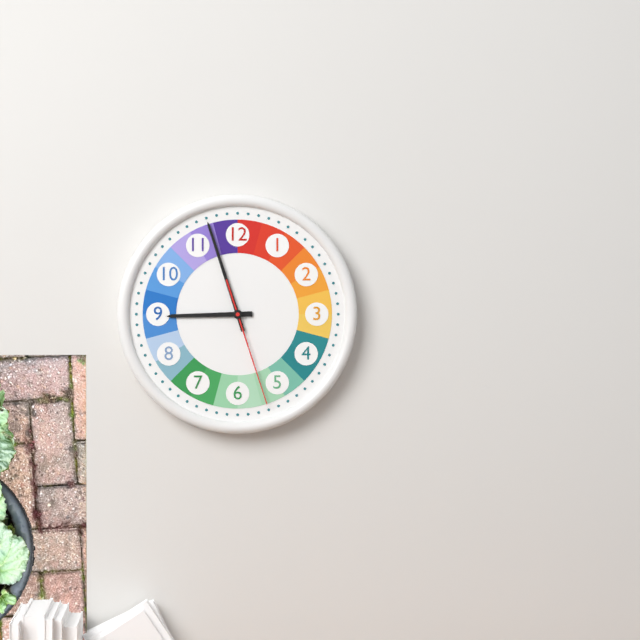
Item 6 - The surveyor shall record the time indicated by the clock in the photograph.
8:57:27
